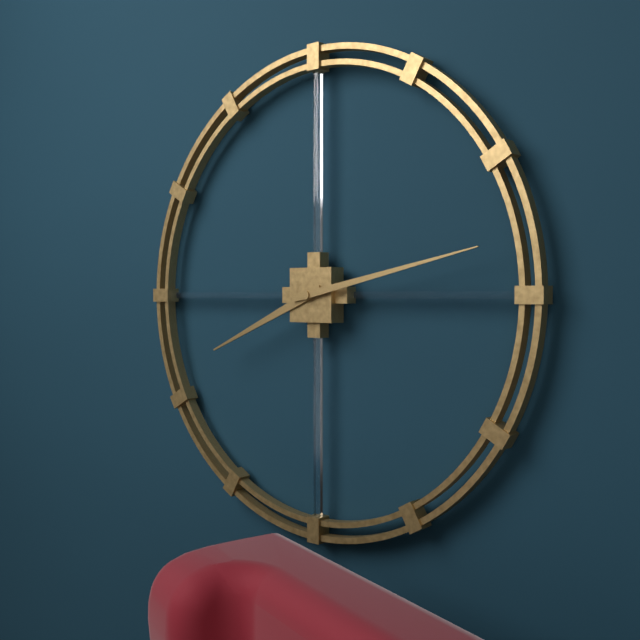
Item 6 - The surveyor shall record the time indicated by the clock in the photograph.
8:13
